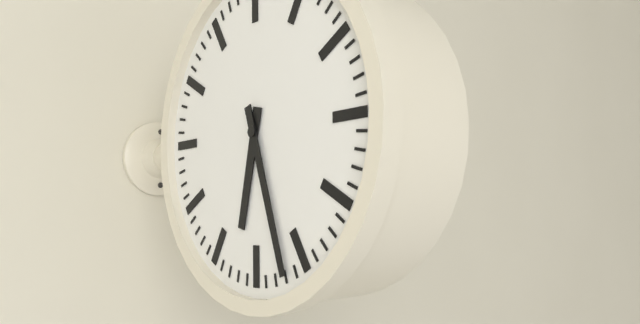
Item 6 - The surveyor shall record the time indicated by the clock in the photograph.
6:27
